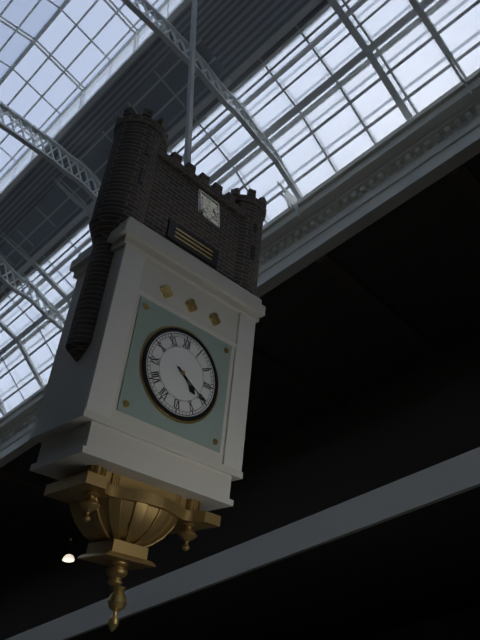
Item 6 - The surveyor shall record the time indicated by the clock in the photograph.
4:20
